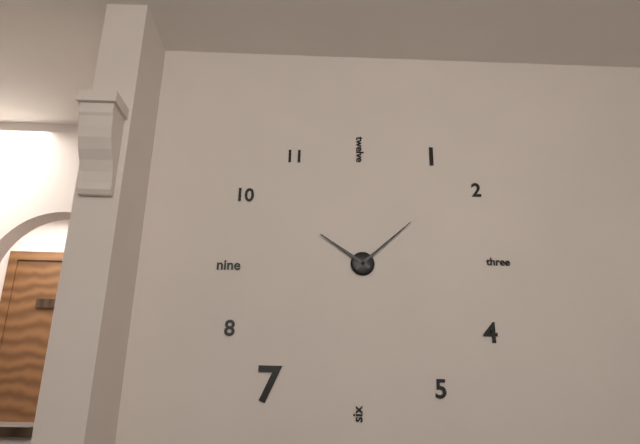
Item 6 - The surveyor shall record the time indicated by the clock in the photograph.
10:08
